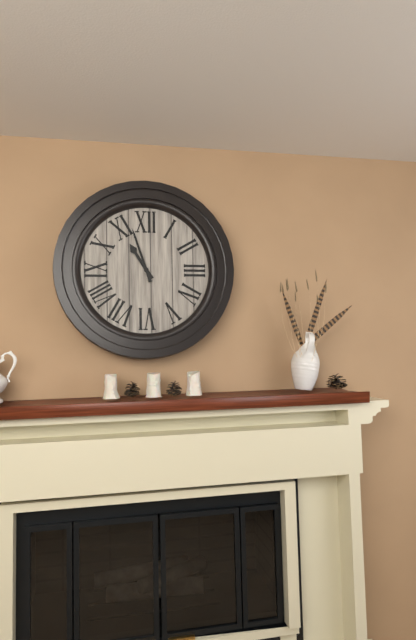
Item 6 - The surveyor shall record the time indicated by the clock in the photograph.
10:57
